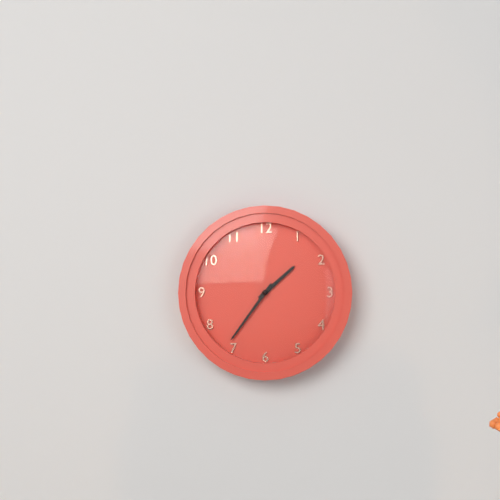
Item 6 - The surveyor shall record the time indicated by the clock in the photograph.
1:36
